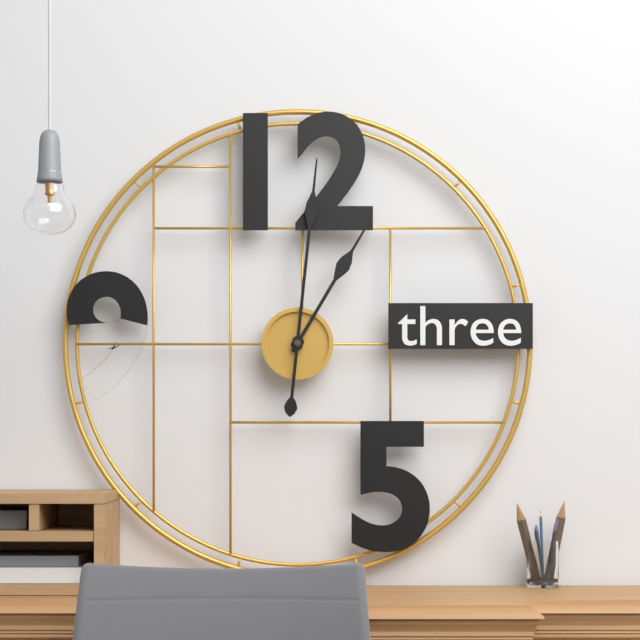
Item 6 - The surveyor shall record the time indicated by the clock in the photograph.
1:01
